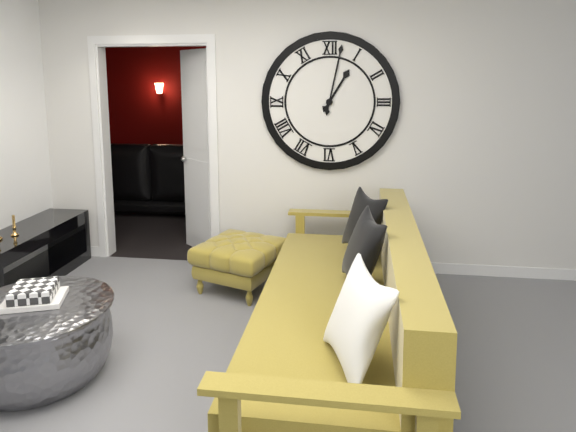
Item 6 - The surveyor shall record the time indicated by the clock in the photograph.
1:02
